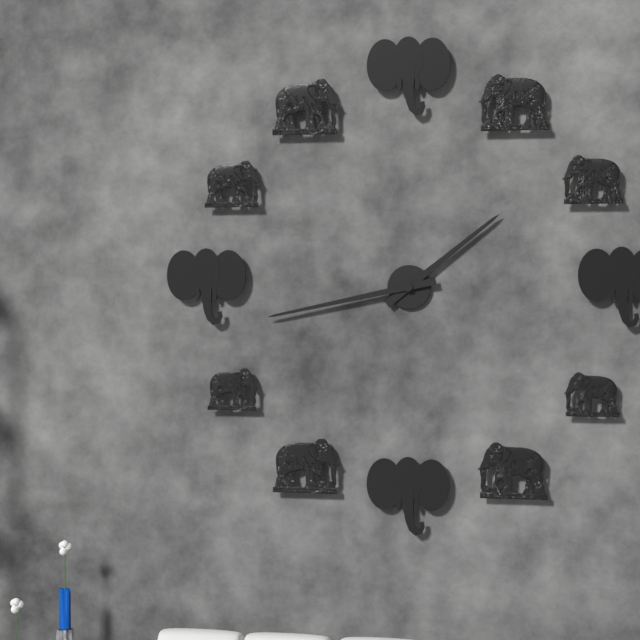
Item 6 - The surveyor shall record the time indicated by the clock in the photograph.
1:43
